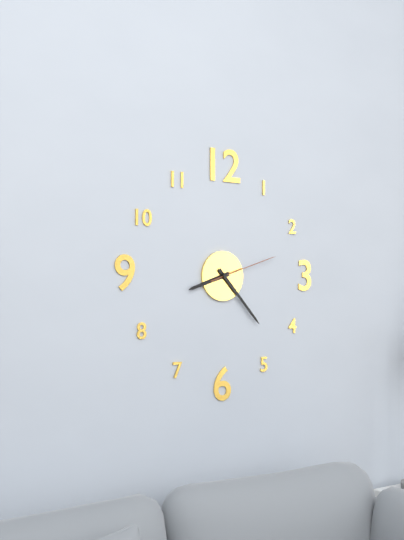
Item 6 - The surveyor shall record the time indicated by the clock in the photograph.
8:23:12
